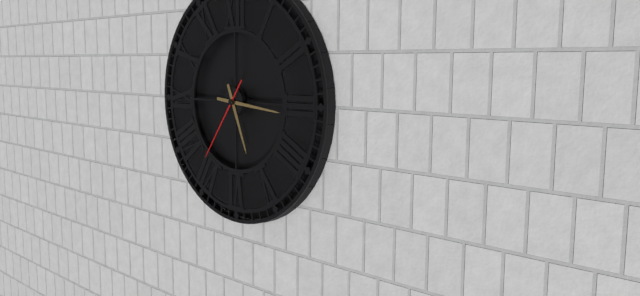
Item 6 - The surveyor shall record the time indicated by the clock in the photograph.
5:16:36
